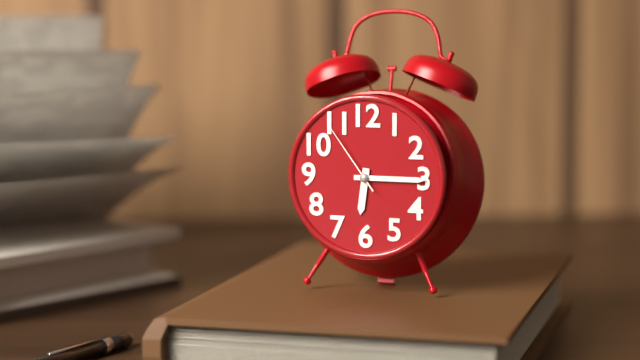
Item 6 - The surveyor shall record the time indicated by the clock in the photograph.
6:15:54
